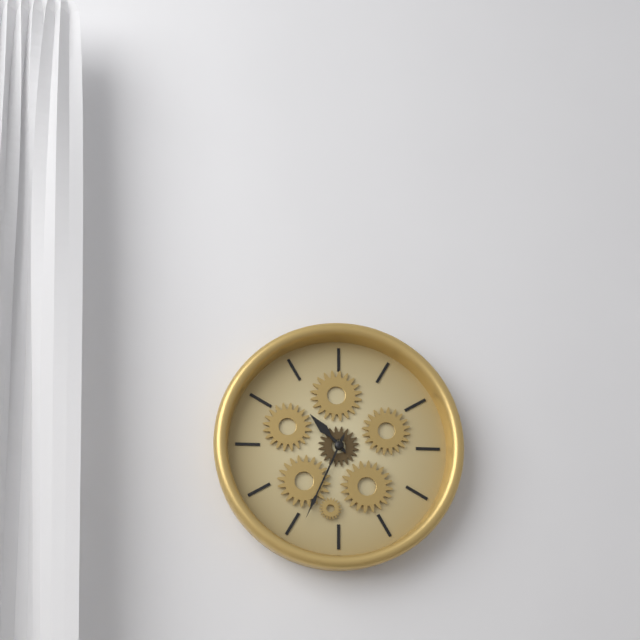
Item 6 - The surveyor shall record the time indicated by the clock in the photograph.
10:34
